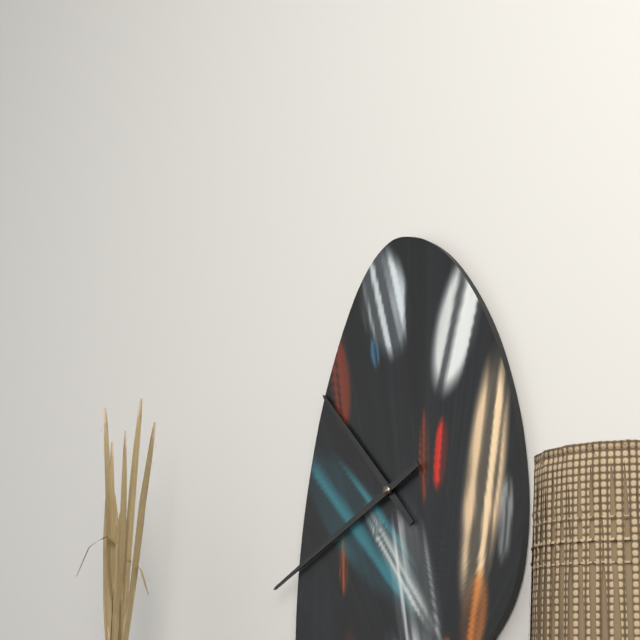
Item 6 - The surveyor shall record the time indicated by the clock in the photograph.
10:40
